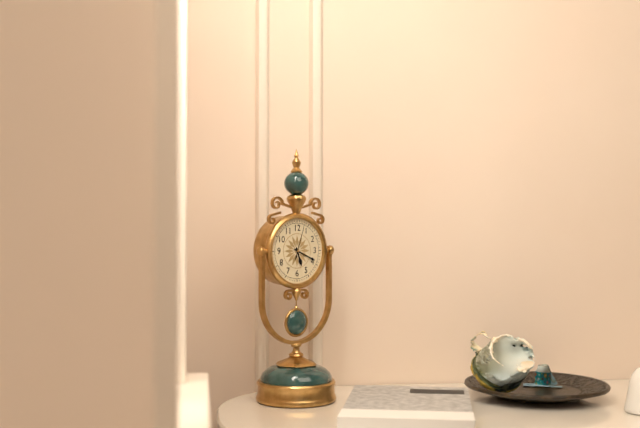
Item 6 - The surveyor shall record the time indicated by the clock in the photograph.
5:19
